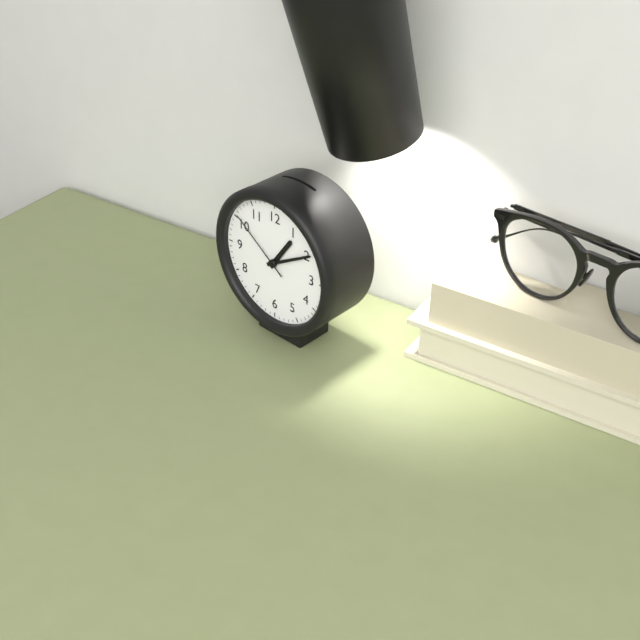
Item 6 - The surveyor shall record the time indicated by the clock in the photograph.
1:10:51
